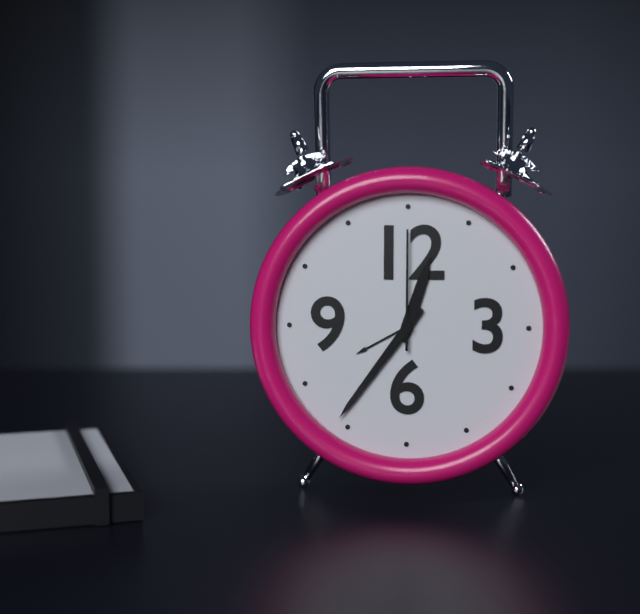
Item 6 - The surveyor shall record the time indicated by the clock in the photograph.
12:36:00
